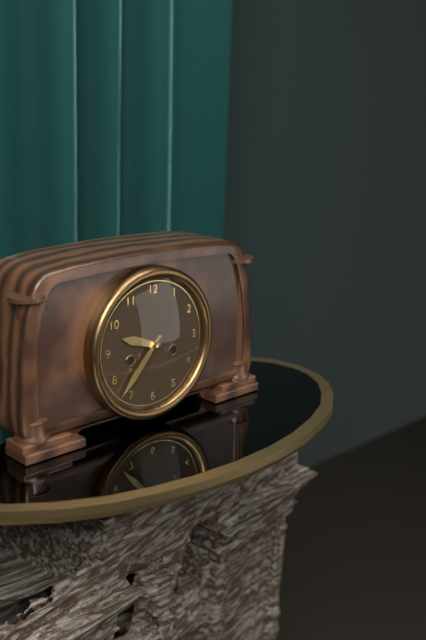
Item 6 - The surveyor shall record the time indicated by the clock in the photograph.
9:37
